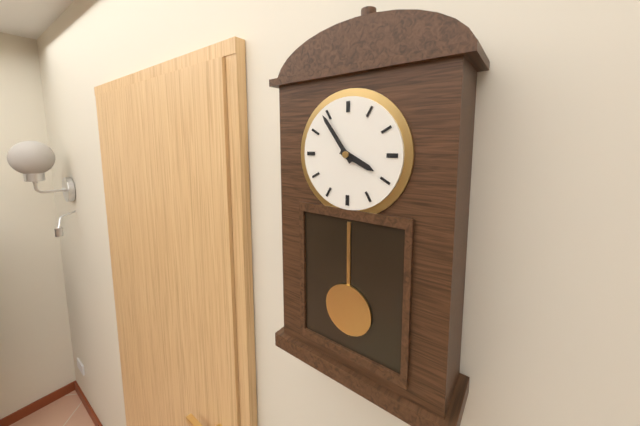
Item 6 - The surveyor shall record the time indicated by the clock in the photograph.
3:54
